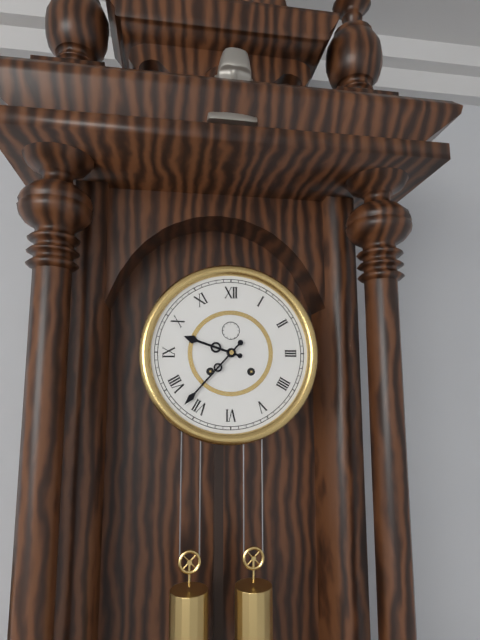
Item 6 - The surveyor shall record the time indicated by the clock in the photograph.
9:37
